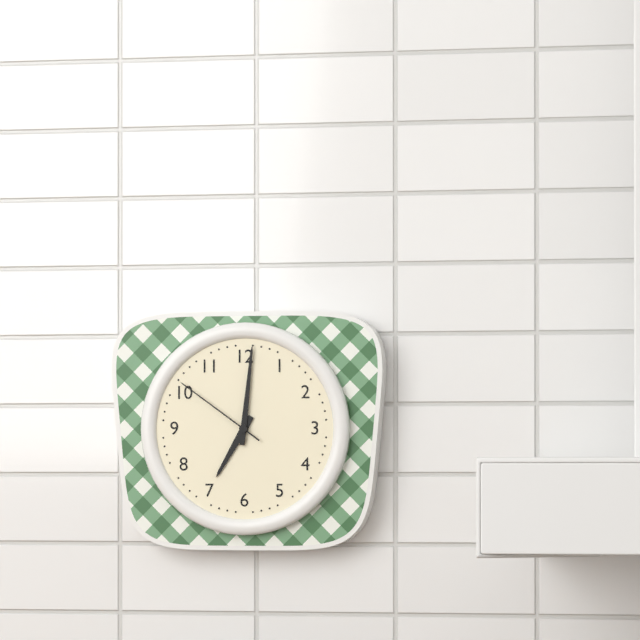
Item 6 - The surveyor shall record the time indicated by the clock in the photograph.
7:01:51
